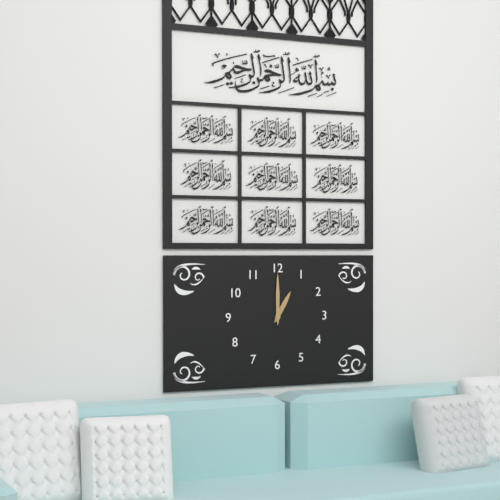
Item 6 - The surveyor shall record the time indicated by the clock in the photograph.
1:00
